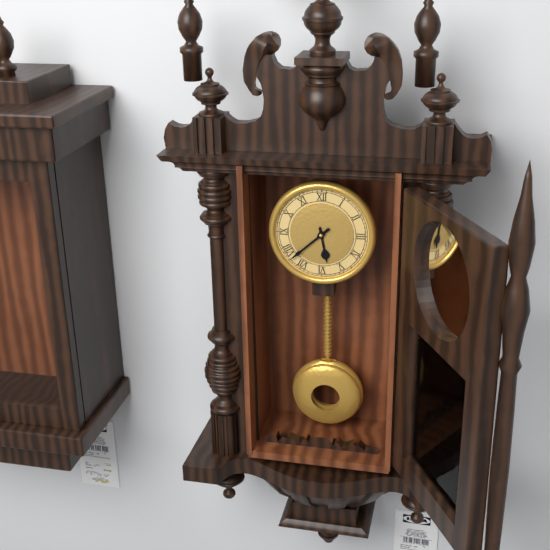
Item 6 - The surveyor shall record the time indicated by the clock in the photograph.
5:38
